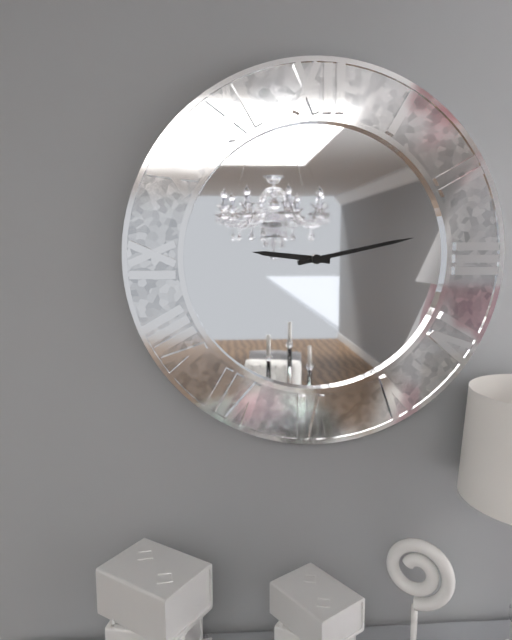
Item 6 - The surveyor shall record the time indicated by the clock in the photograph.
9:13
